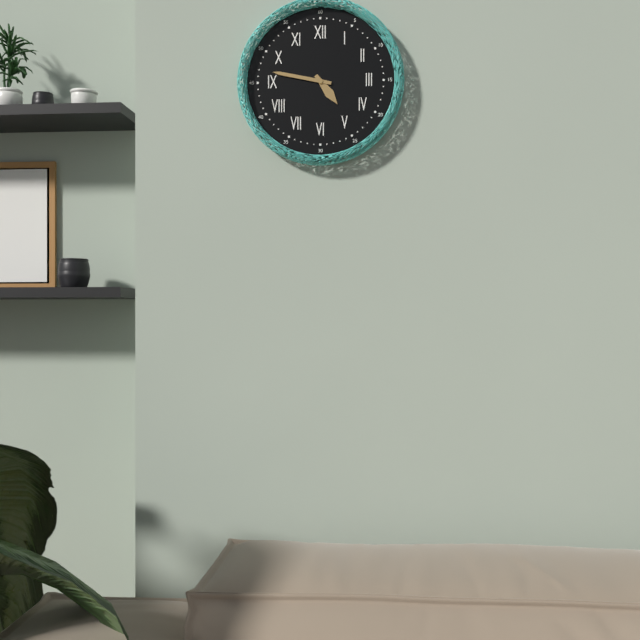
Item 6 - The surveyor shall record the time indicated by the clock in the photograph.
4:47
